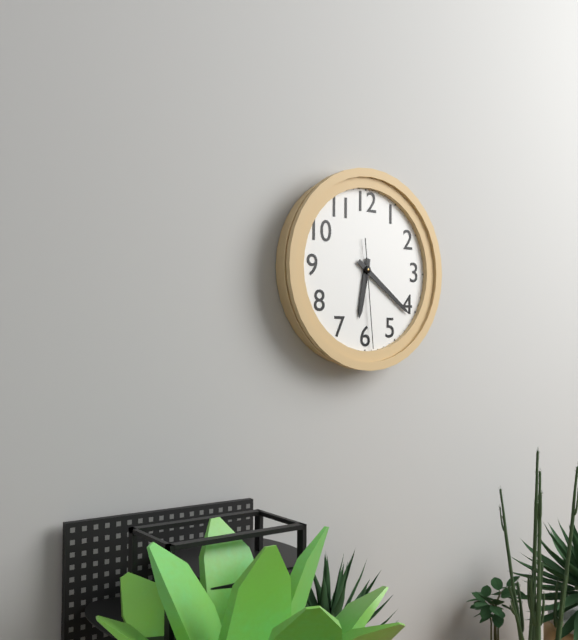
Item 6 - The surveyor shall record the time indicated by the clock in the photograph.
6:21:29
